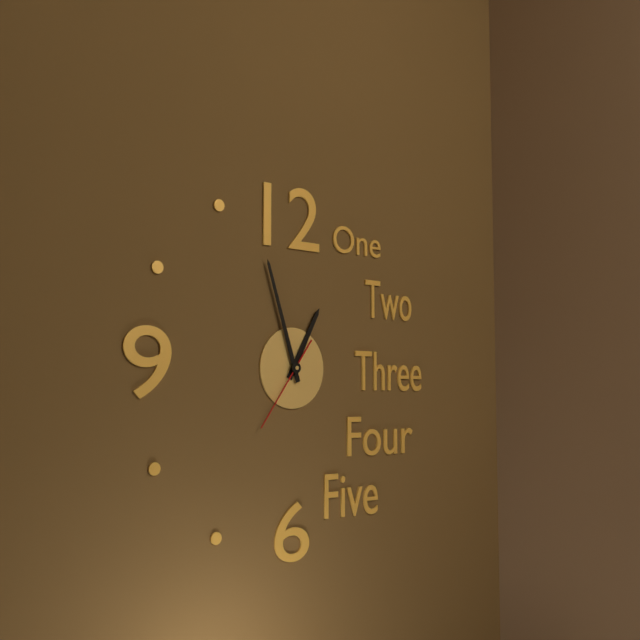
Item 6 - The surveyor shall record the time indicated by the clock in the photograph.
12:57:36
